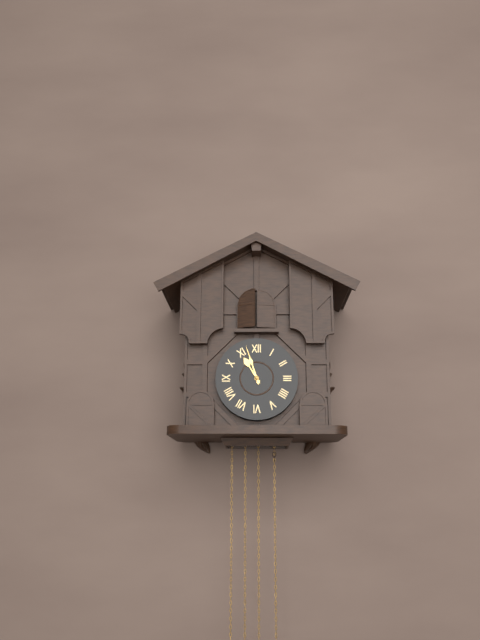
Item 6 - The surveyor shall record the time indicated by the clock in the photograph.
10:57
